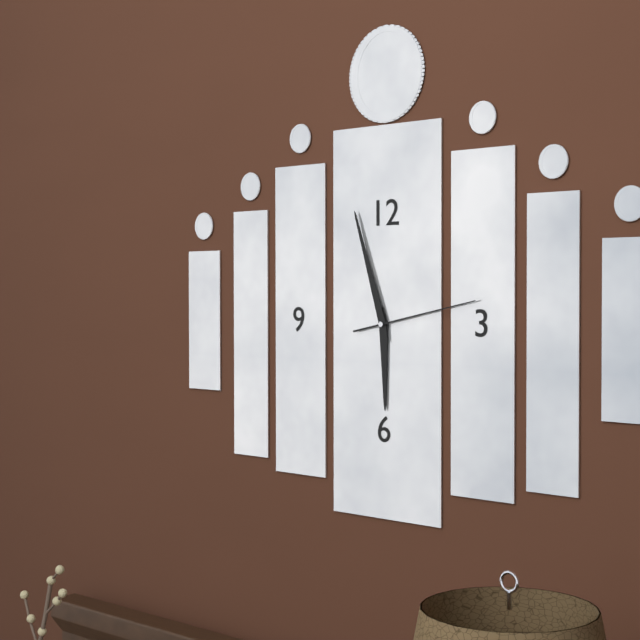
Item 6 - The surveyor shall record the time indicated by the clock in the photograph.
5:57:13
